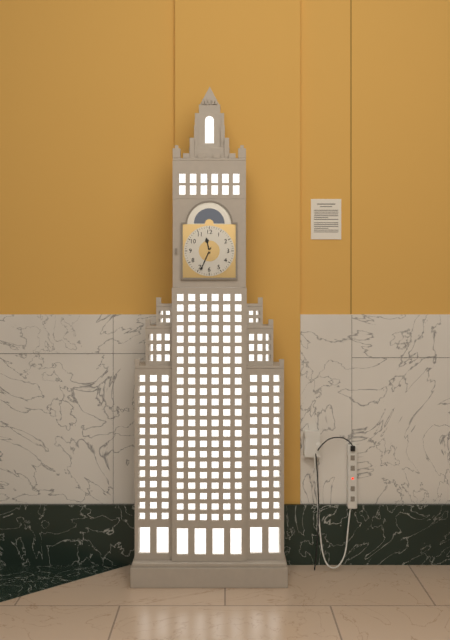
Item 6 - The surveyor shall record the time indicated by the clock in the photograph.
11:34
